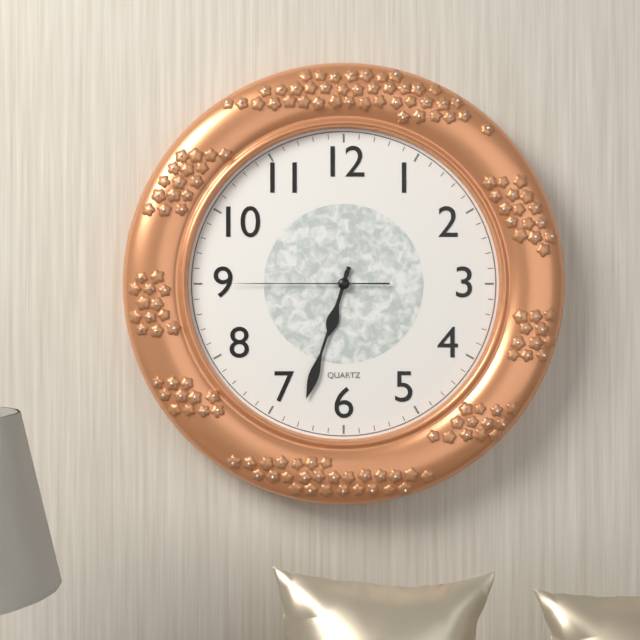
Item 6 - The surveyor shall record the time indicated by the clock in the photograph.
6:33:45
